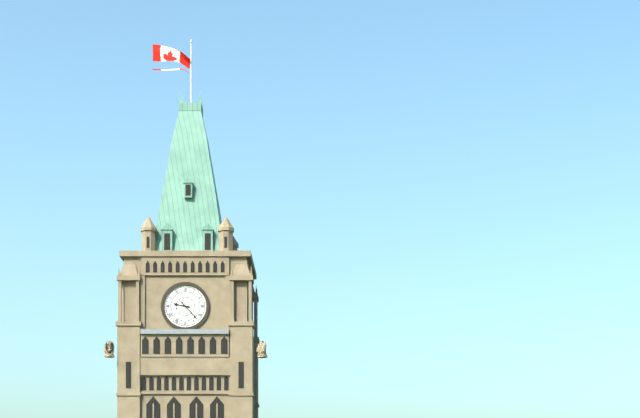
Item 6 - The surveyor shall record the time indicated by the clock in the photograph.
9:23
